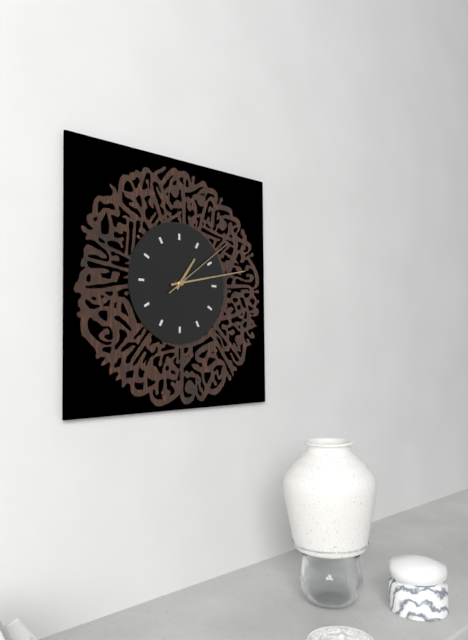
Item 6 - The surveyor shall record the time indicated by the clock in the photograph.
1:13:09
